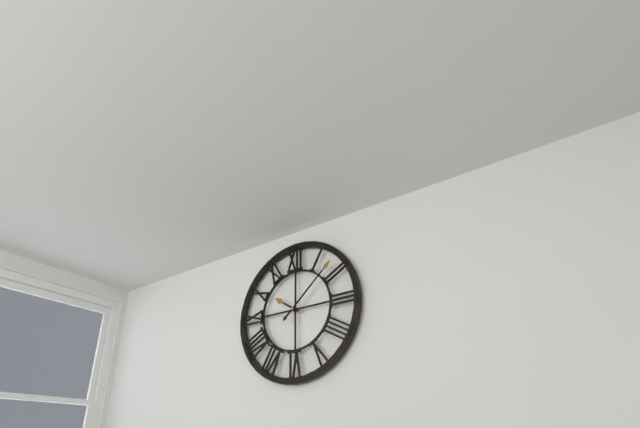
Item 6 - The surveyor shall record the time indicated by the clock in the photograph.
10:08
